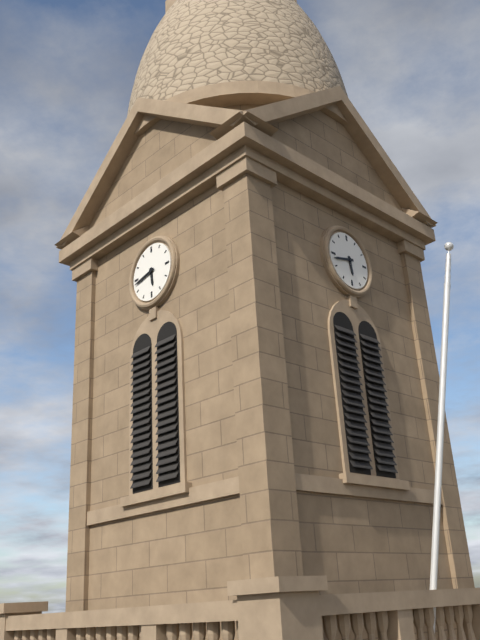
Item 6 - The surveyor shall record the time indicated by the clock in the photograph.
5:43
